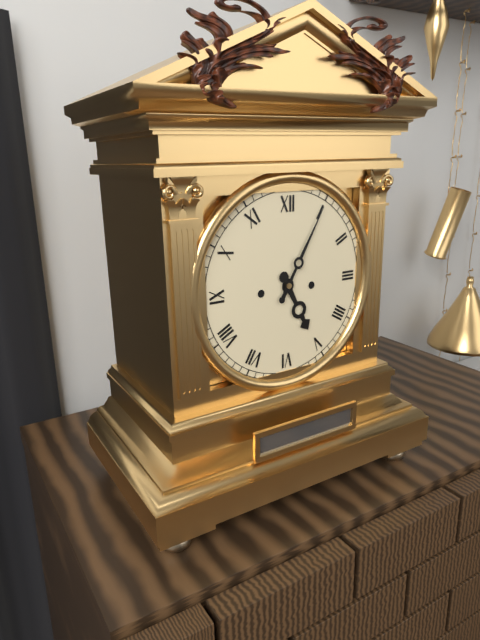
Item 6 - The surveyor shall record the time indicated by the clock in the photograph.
5:05
